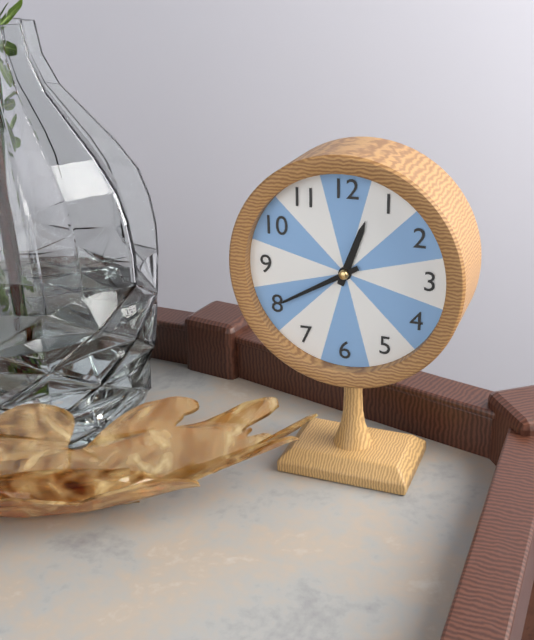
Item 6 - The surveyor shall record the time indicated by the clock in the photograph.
12:40
